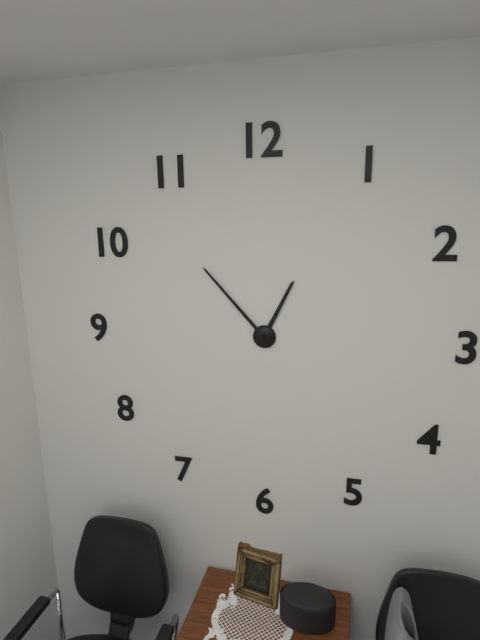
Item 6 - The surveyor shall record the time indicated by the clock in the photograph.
12:53
